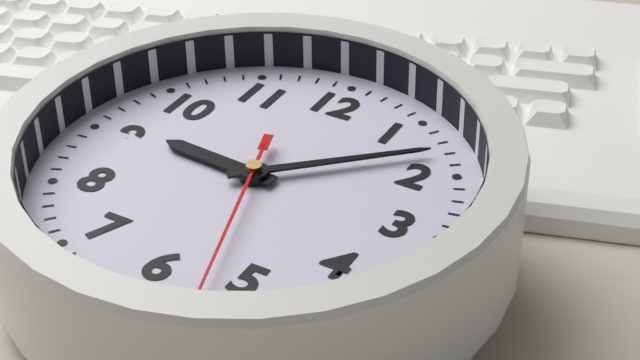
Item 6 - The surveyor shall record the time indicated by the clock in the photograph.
9:08:27
